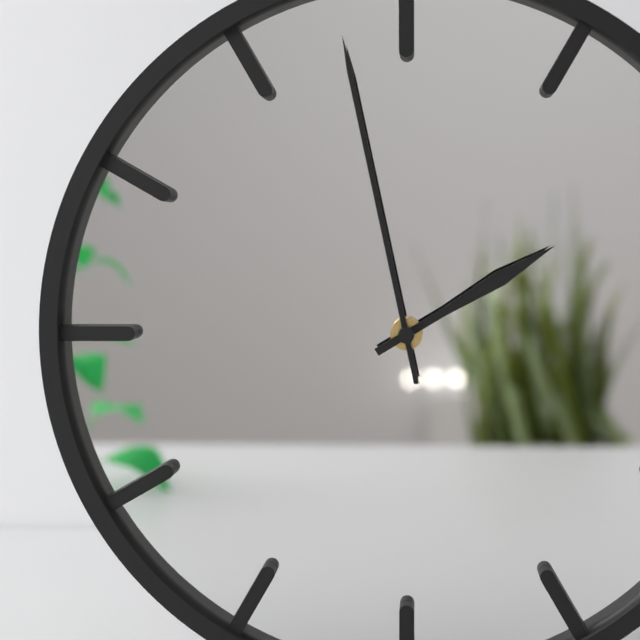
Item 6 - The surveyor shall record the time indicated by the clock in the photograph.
1:58
